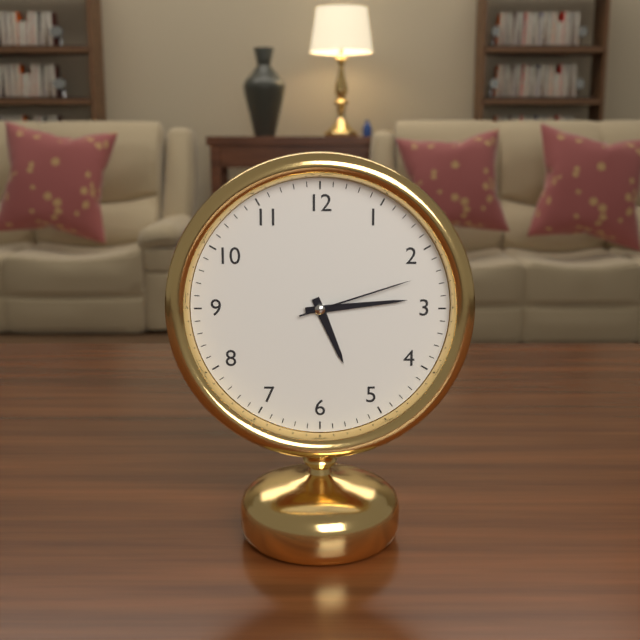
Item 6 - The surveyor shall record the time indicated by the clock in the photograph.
5:14:12
